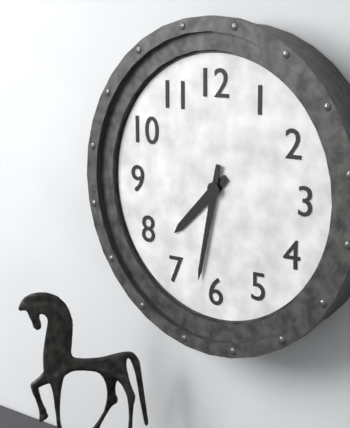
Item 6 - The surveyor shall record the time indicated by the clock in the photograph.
7:32
